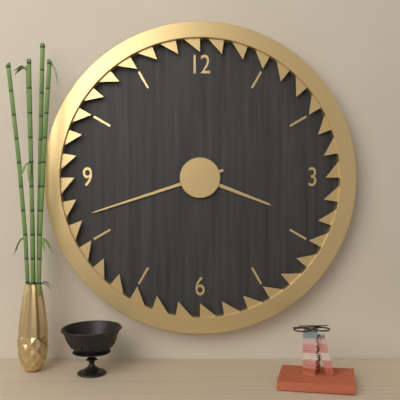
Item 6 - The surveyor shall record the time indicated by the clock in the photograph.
3:42
